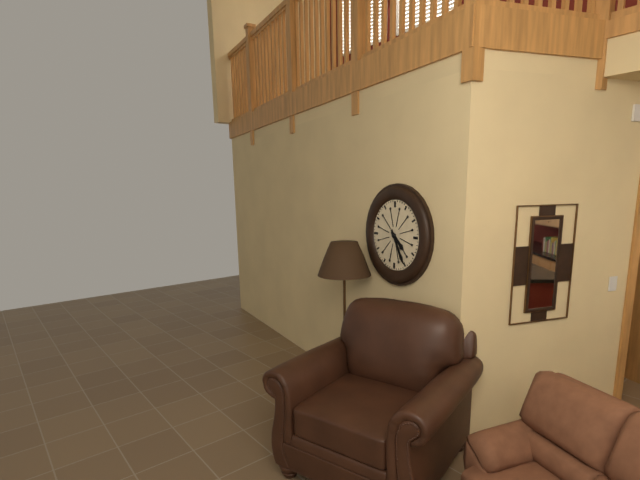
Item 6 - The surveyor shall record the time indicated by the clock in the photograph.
4:25
